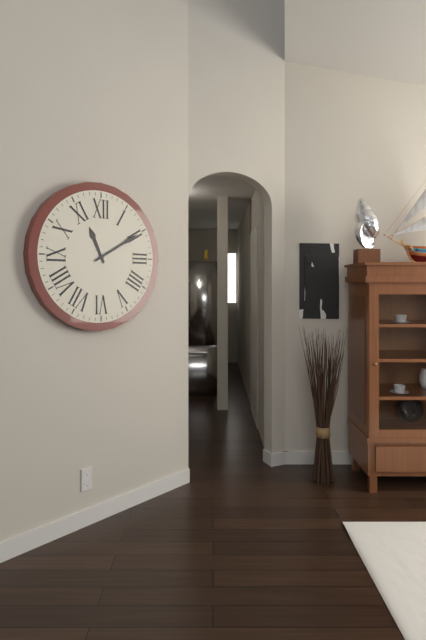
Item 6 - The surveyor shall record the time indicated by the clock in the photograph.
11:10
